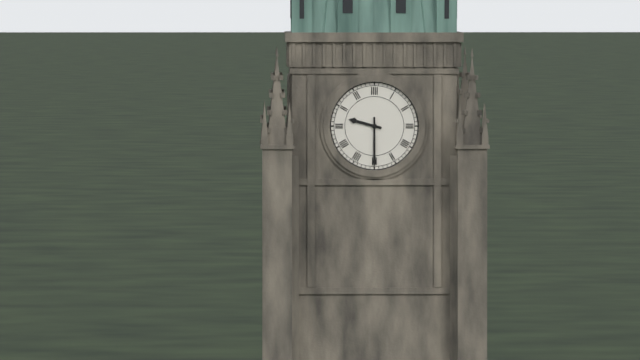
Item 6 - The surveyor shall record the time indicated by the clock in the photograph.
9:30
